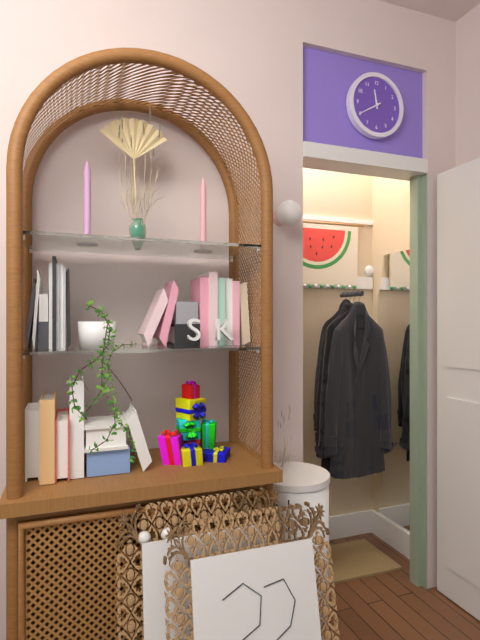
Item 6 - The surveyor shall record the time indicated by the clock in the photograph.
11:40
